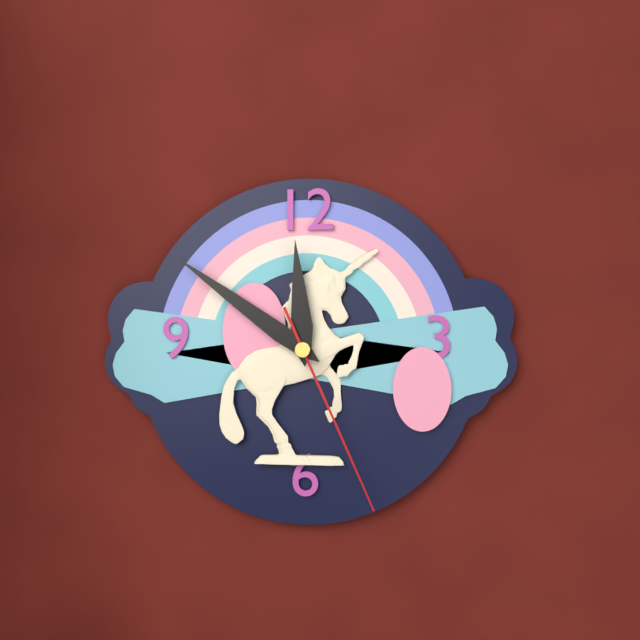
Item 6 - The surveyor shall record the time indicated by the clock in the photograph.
11:51:26
